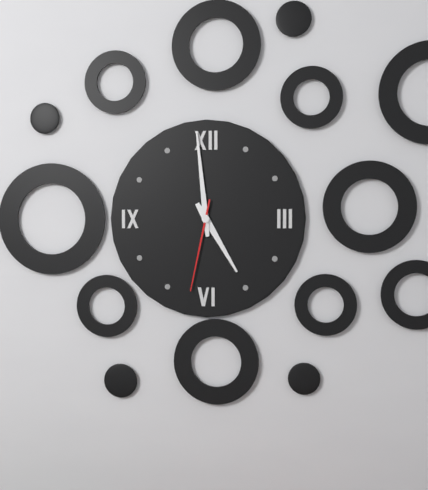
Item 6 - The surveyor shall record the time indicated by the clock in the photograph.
4:59:32
